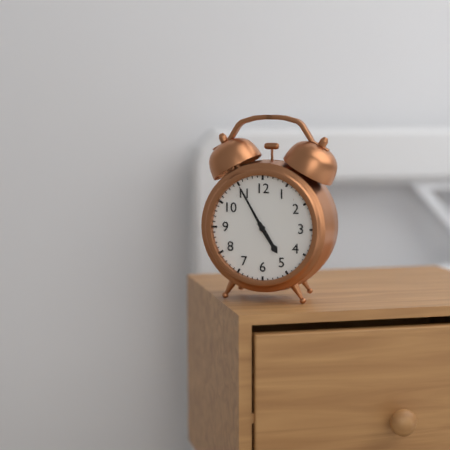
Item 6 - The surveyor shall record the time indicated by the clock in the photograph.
4:55
